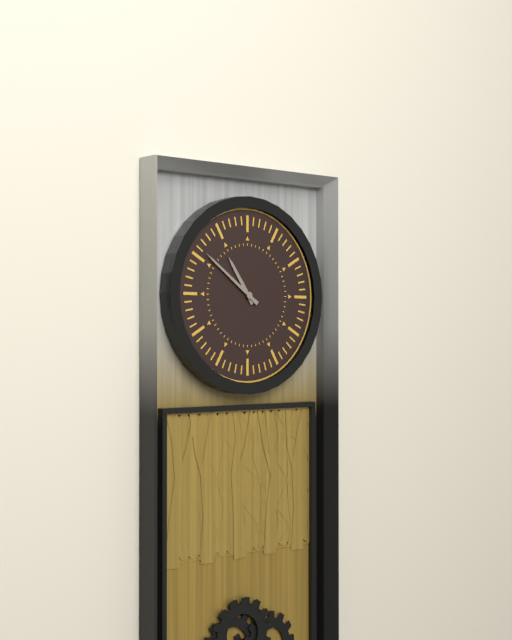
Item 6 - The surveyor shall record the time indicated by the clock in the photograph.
10:51
